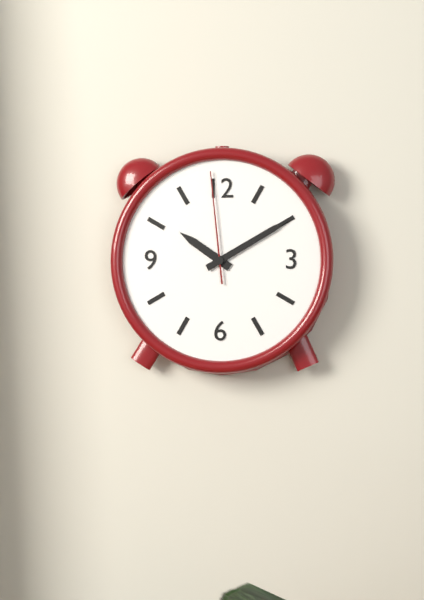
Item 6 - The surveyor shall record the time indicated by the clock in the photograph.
10:10:59
